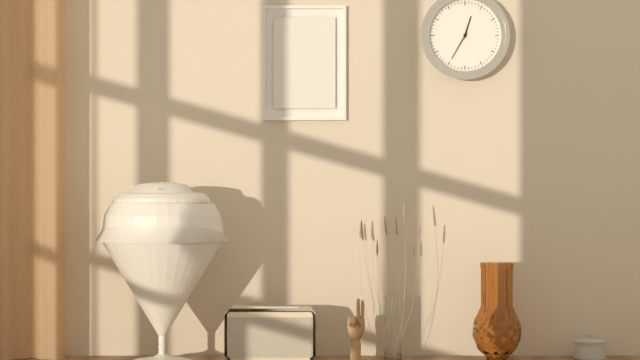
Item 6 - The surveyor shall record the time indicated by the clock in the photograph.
12:35
